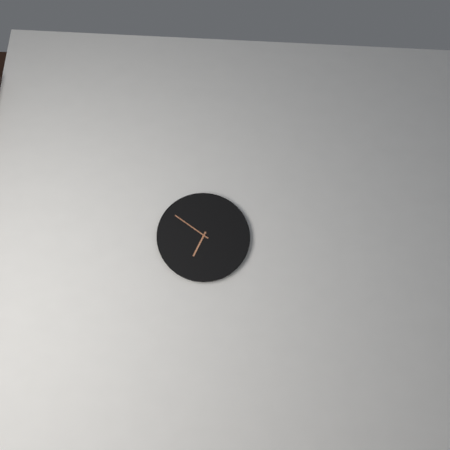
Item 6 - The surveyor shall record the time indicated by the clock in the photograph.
6:51
